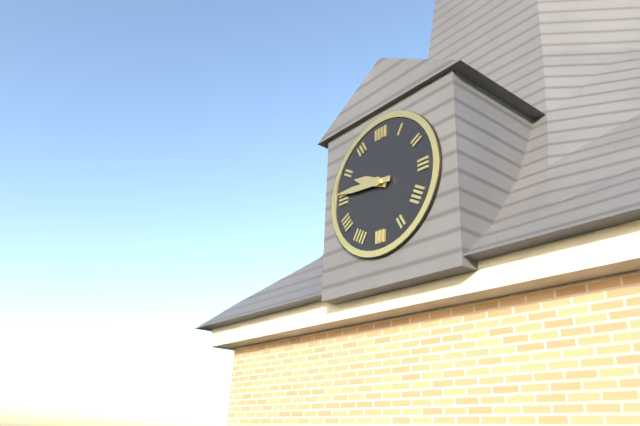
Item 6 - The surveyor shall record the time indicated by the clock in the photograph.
9:46
